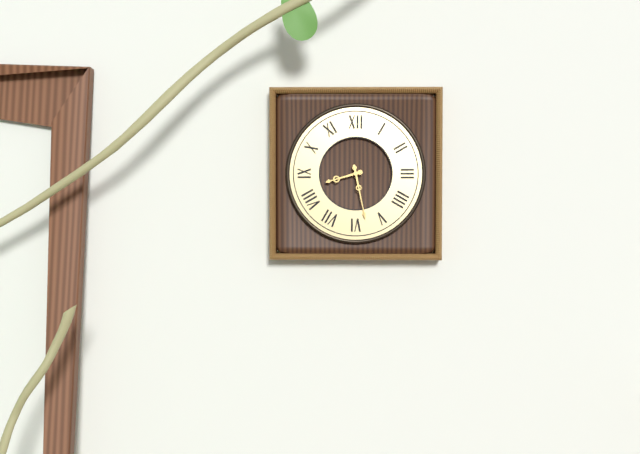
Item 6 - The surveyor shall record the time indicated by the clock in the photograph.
8:28
